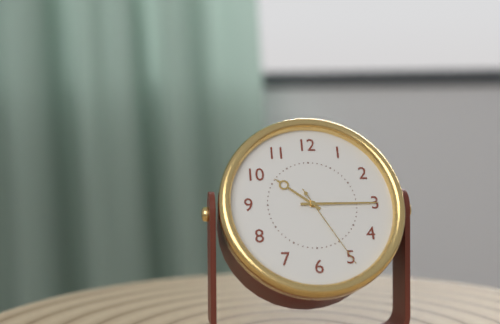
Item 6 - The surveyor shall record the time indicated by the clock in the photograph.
10:15:25
